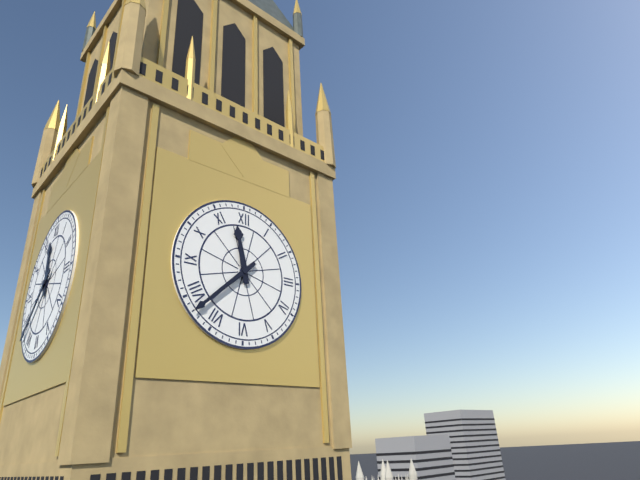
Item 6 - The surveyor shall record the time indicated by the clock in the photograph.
11:38
